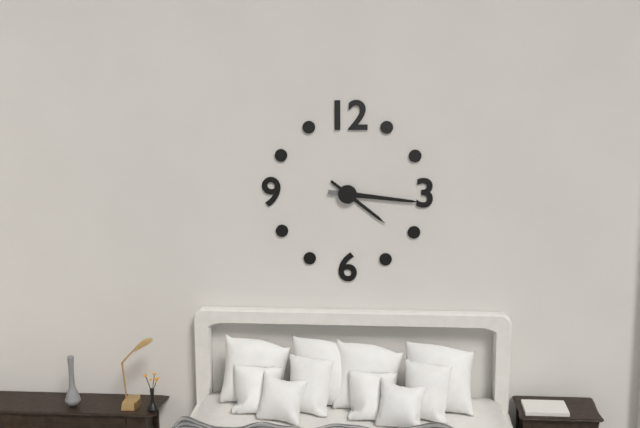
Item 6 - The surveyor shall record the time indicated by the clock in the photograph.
4:16
